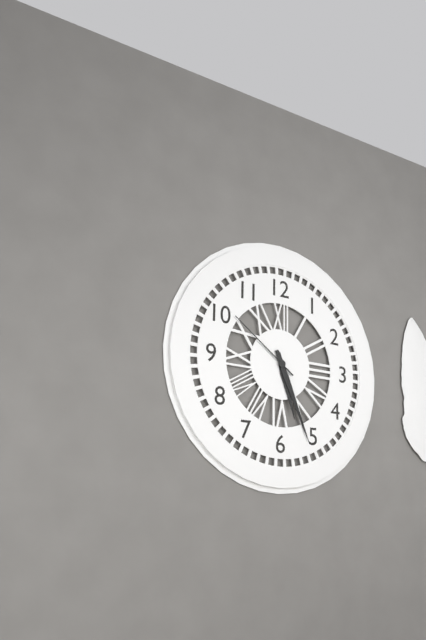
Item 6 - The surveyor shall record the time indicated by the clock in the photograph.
5:26:51
